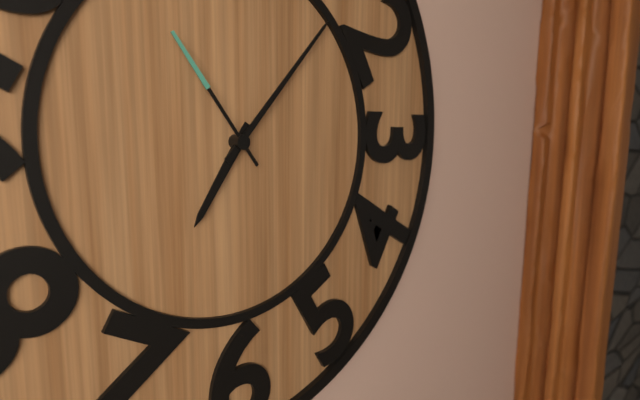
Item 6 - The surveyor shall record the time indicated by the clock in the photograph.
7:07:54
